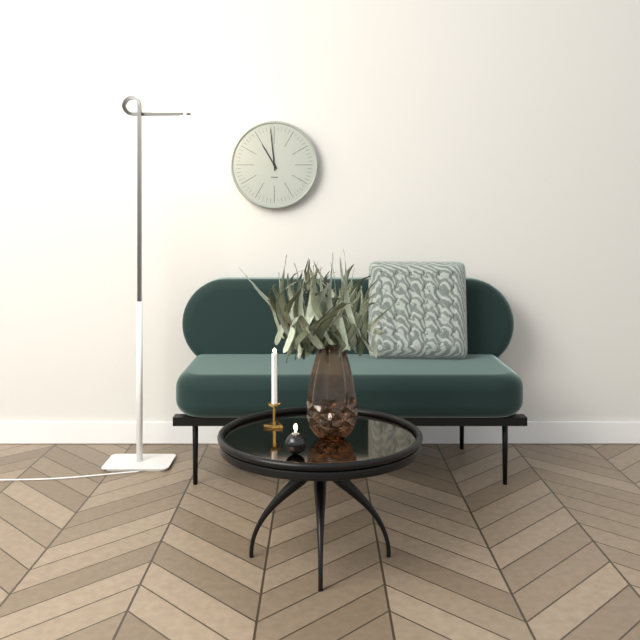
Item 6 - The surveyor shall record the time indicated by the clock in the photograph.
10:59
